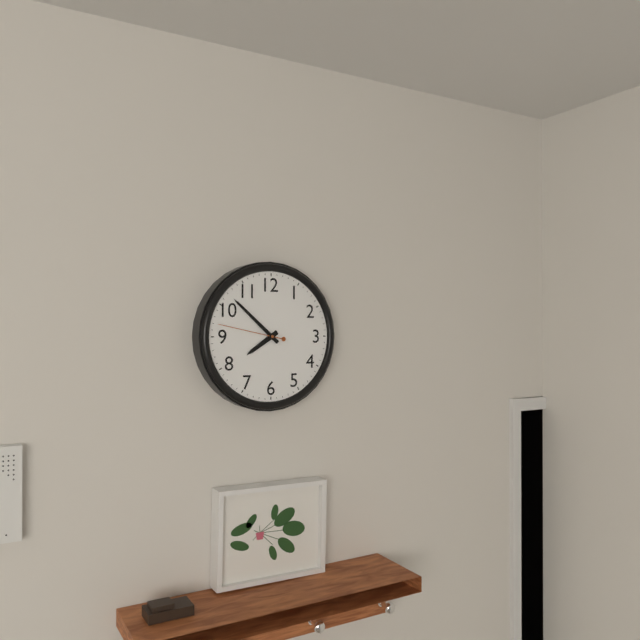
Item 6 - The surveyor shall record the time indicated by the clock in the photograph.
7:52:47
